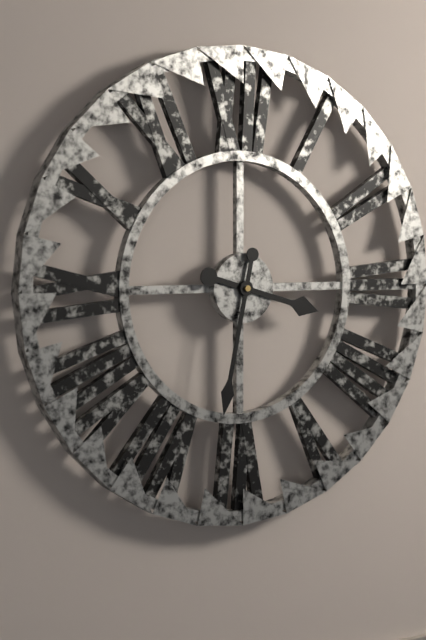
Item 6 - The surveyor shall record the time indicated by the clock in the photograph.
3:32
